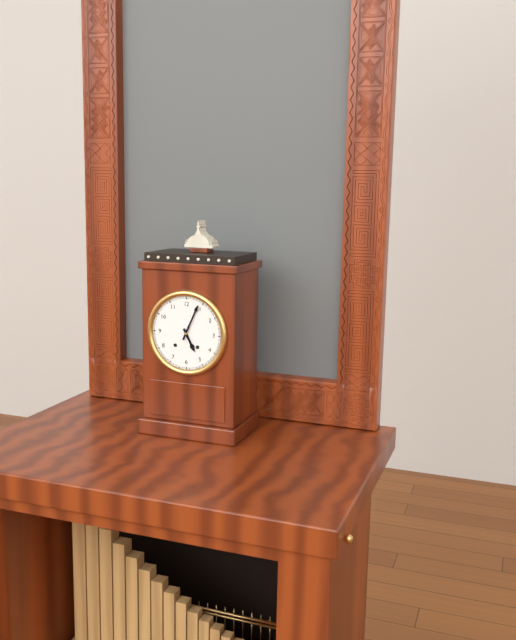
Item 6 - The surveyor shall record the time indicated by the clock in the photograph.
5:04
